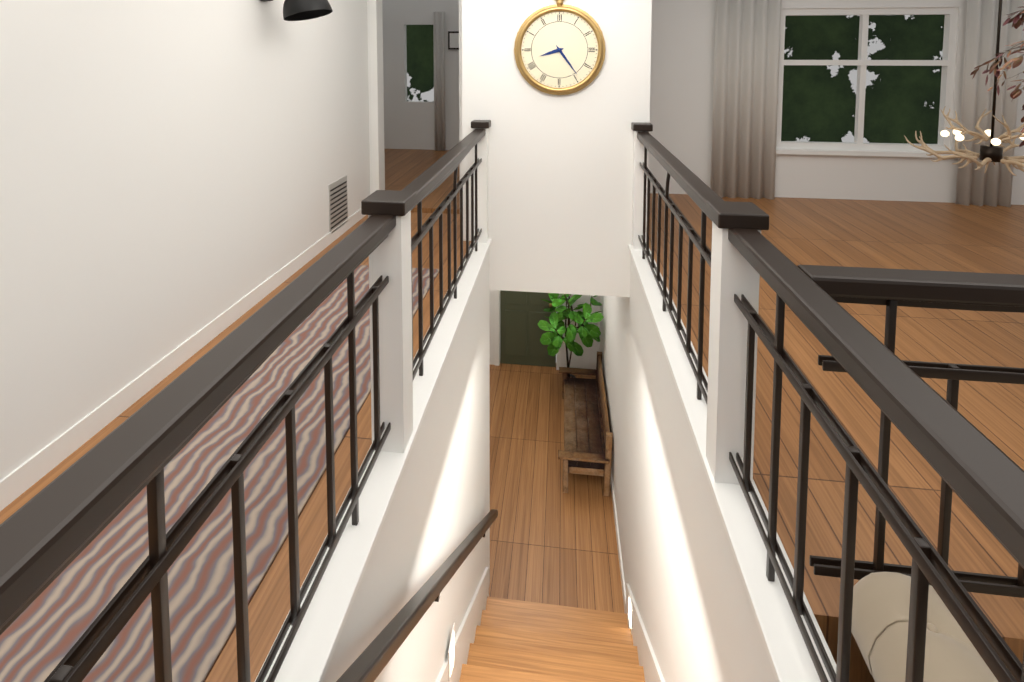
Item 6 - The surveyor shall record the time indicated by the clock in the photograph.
8:24
